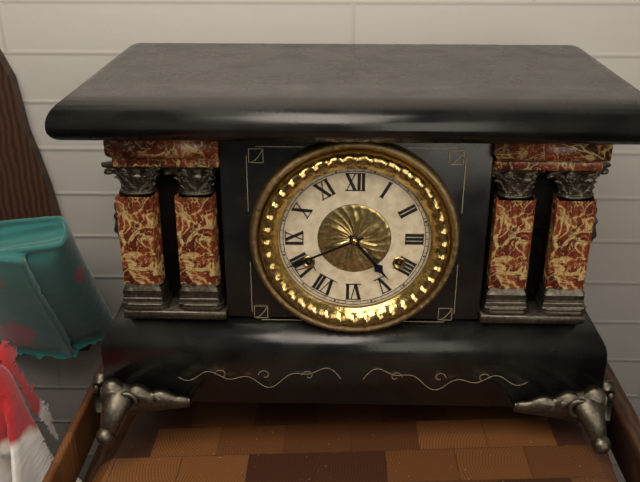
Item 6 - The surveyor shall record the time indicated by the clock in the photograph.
4:41
